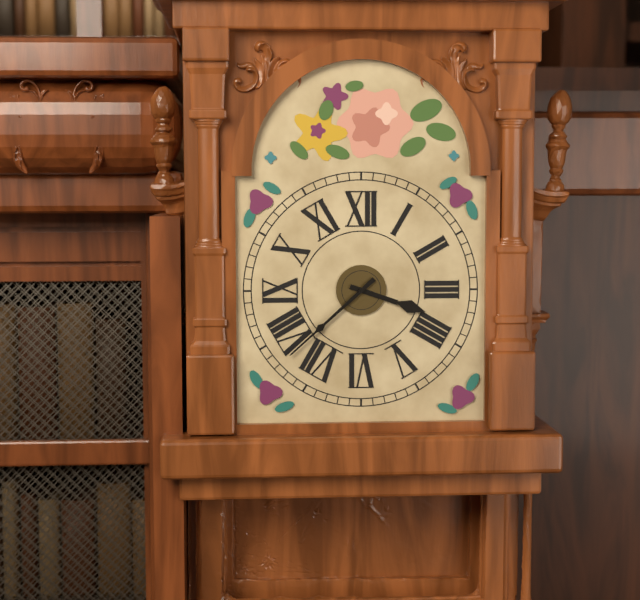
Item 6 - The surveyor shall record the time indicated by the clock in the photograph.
3:38
